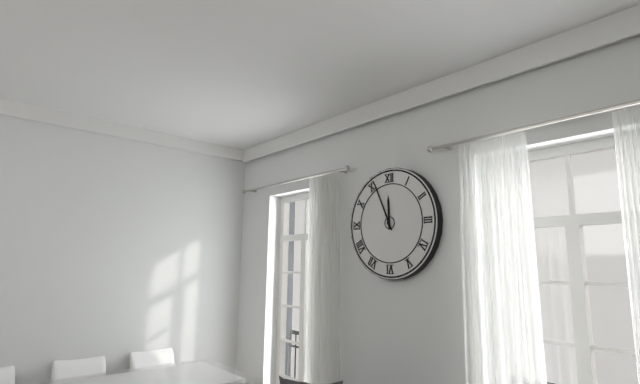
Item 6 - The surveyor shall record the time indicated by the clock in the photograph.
11:56
